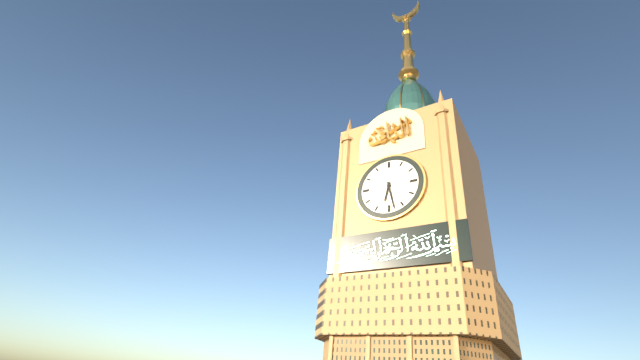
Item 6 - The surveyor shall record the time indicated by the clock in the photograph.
6:28
